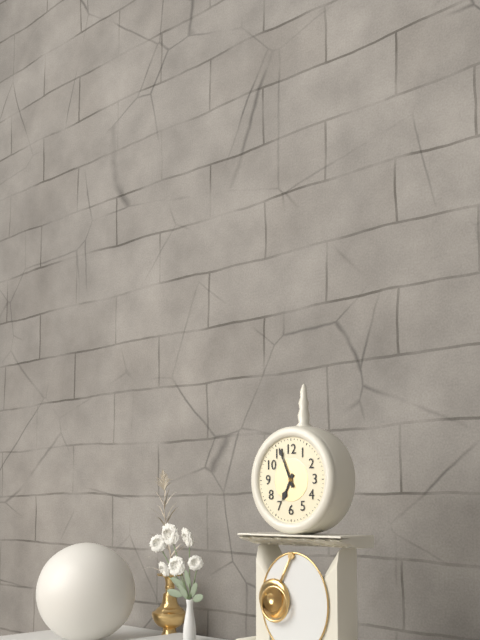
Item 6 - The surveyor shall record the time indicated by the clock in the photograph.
6:56
